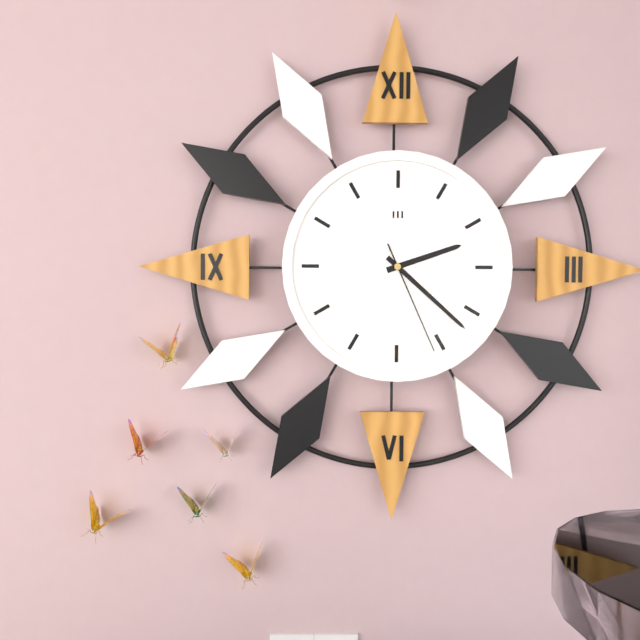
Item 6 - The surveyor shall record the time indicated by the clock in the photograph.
2:22:26
